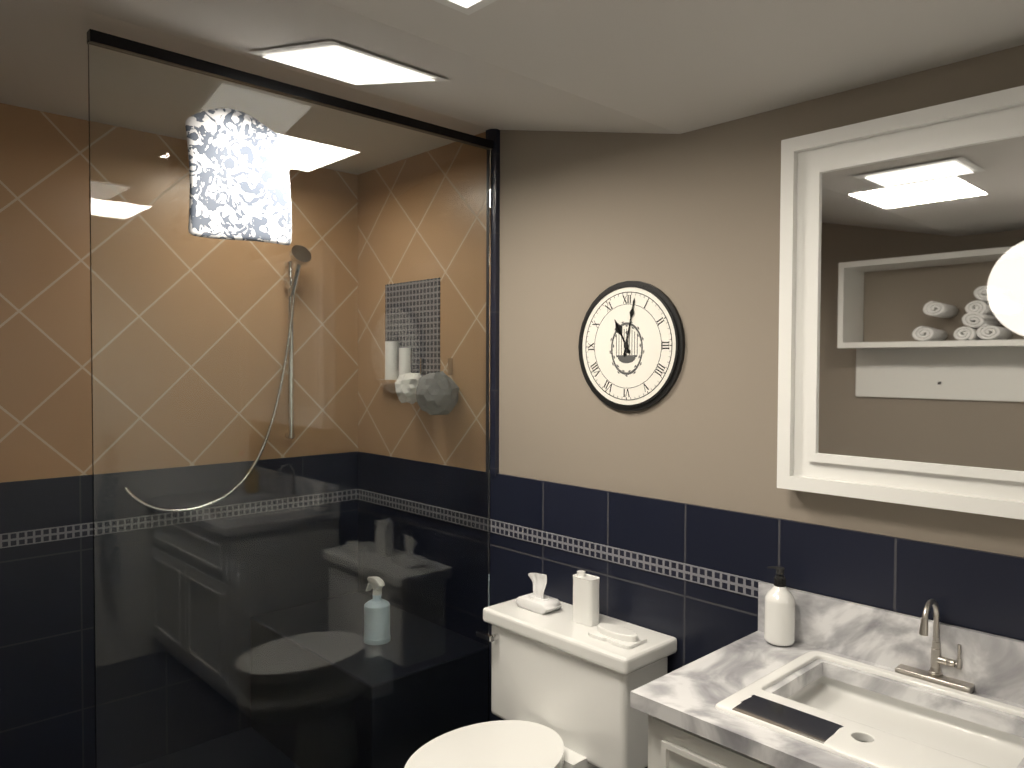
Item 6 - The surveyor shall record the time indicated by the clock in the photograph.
11:02
